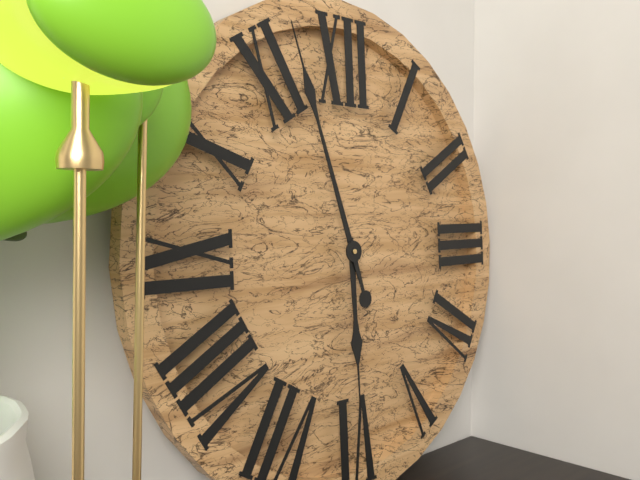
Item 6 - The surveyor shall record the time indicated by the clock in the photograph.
5:57
